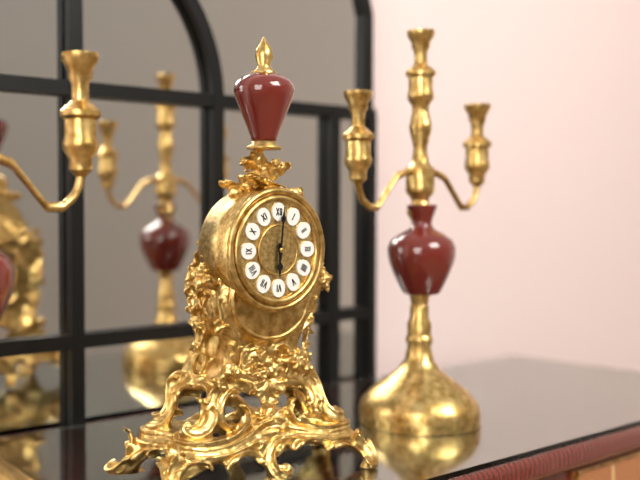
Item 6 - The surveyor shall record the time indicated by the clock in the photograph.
6:01
